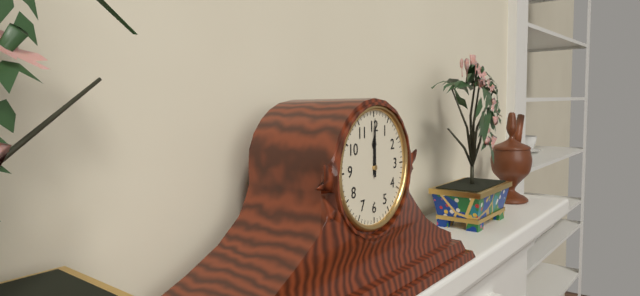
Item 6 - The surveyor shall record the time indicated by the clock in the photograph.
12:00
